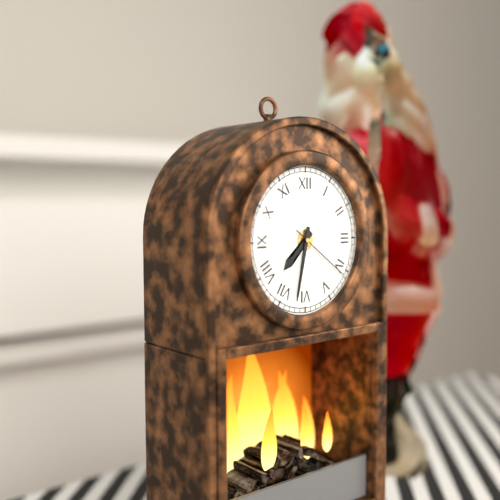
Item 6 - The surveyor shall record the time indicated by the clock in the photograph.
7:32:21
